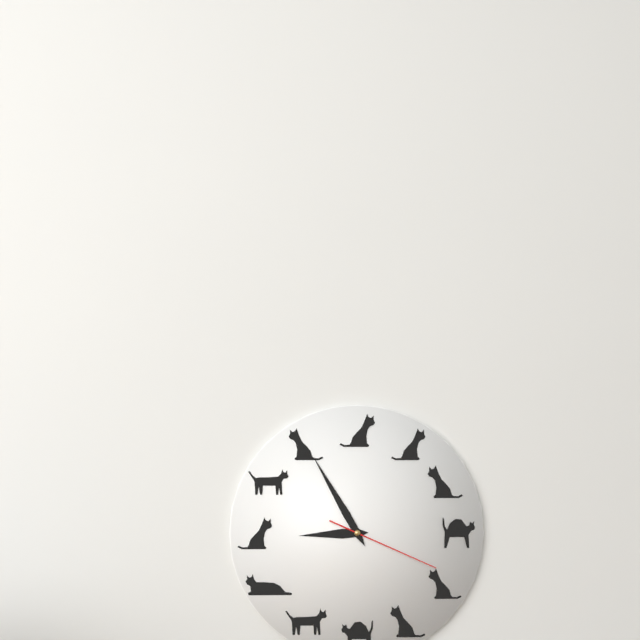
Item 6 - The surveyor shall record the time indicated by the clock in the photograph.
8:55:19
